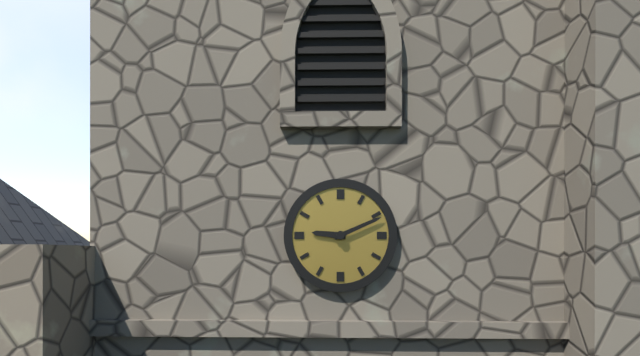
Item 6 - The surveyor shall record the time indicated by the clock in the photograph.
9:11
